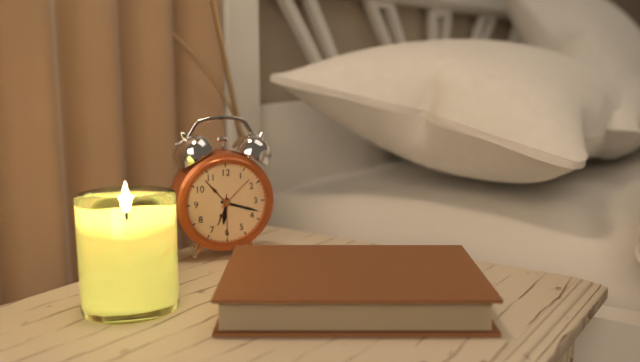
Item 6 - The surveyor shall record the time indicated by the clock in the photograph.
6:18
